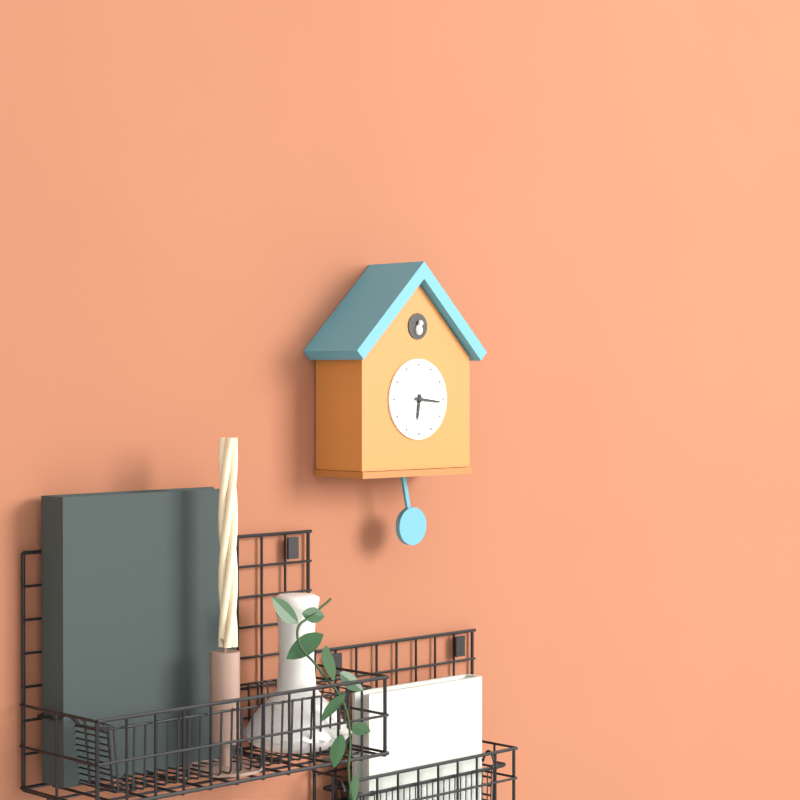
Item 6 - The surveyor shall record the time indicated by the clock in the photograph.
6:16
